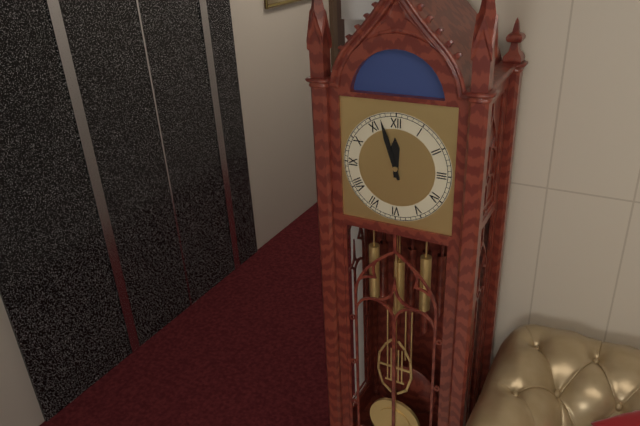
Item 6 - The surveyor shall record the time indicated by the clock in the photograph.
11:57
